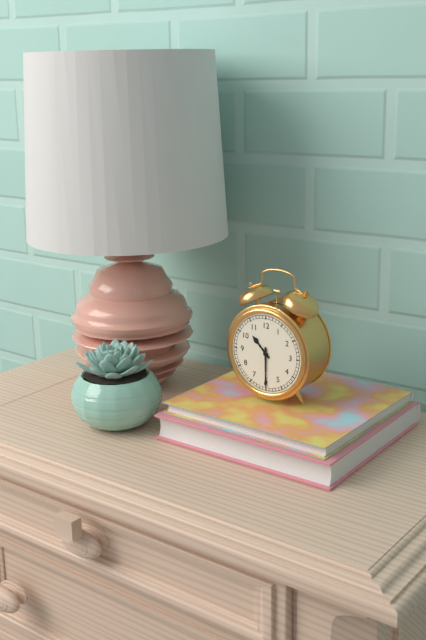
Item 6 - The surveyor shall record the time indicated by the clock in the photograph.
10:30
